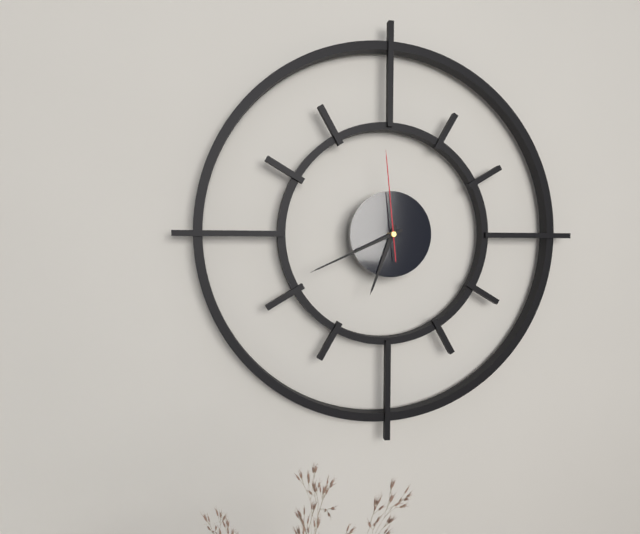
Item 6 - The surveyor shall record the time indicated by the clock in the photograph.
6:41:59
